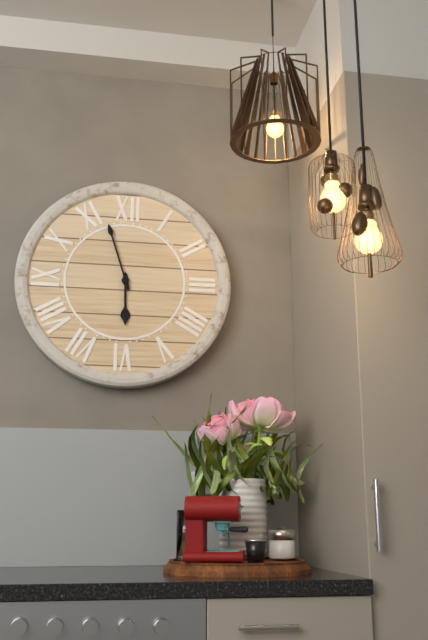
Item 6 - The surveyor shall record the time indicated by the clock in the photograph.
5:57
